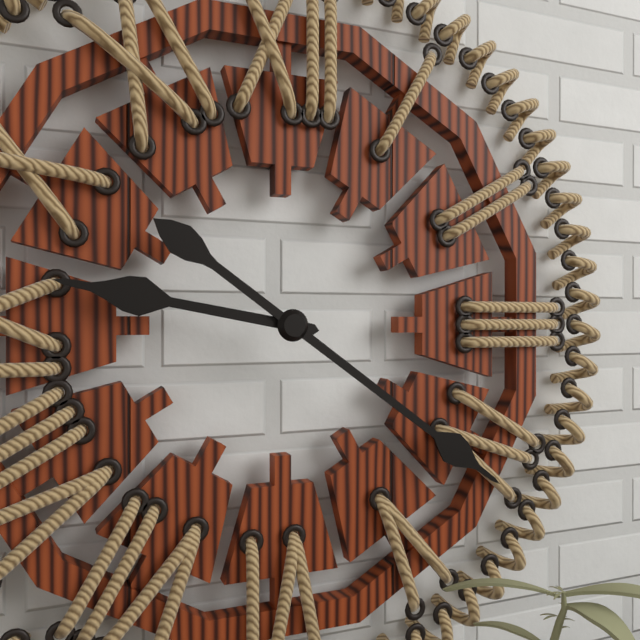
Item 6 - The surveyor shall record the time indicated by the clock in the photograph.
9:21
